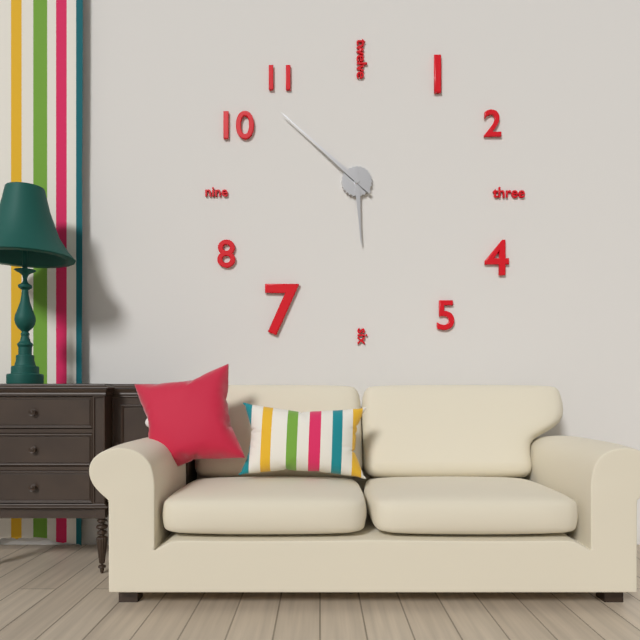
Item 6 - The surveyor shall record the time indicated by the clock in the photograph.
5:52
